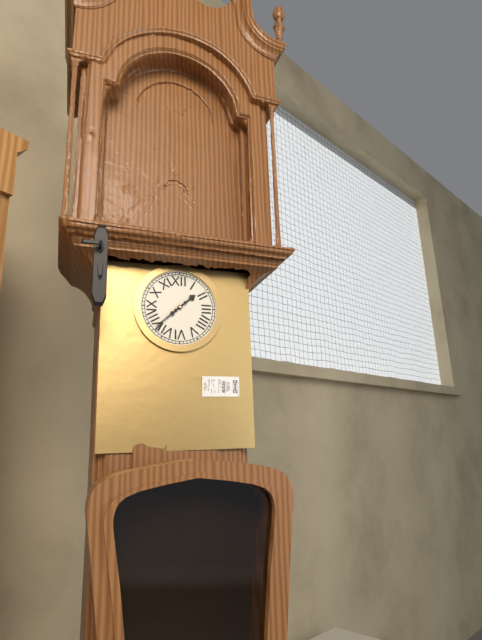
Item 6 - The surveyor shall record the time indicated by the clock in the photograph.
1:38
